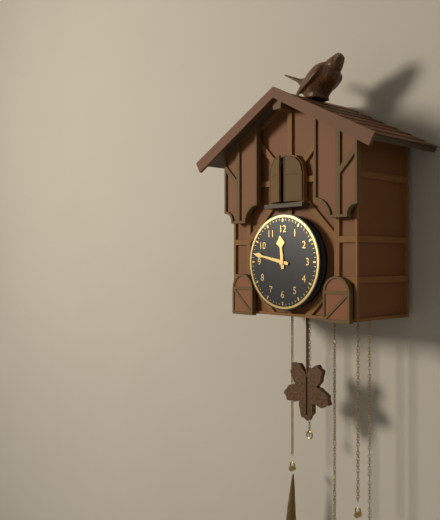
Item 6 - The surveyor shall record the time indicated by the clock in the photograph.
11:47
